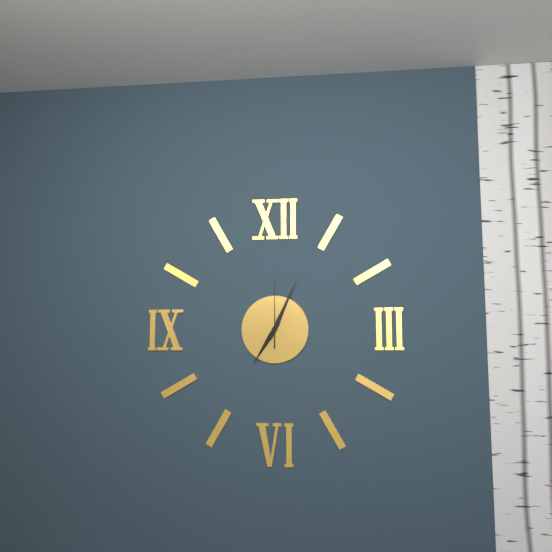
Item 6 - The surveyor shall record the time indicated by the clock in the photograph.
7:04:00
